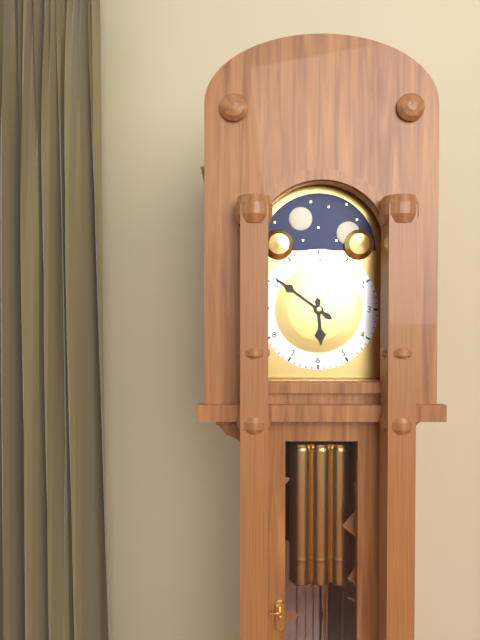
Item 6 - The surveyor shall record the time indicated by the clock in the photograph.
5:51
